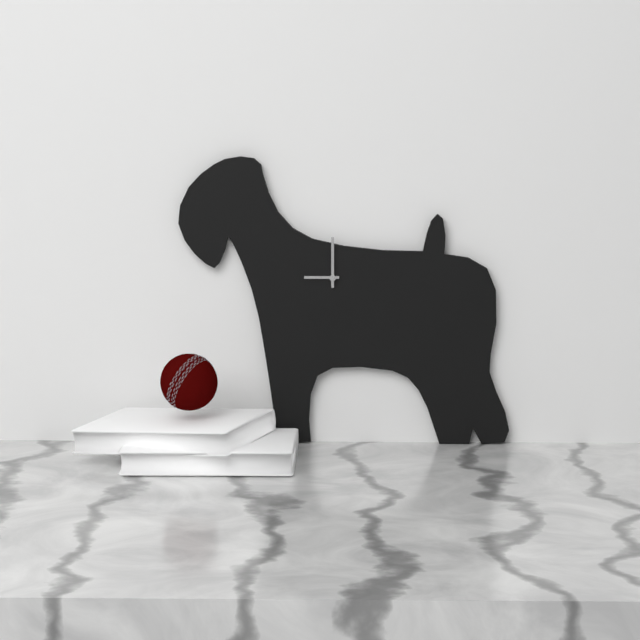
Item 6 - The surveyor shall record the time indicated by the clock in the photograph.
9:00
